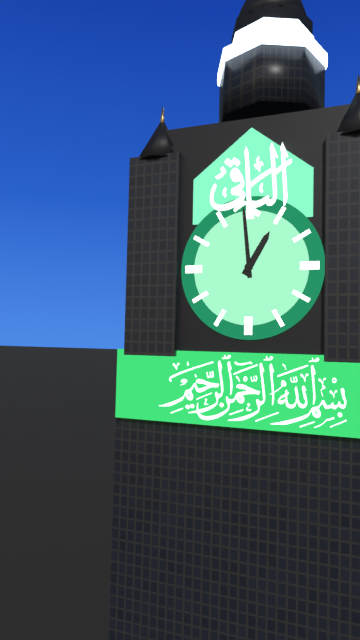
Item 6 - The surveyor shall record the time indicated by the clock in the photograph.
12:59
